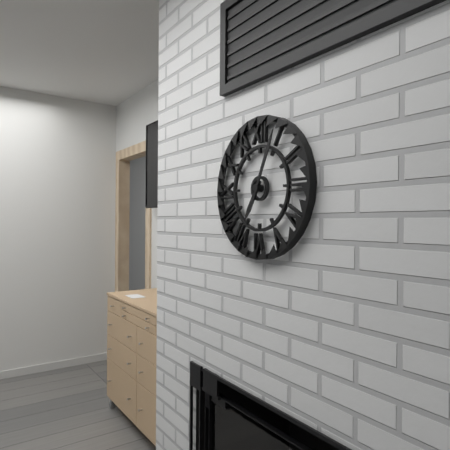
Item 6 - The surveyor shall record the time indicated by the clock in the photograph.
7:04
